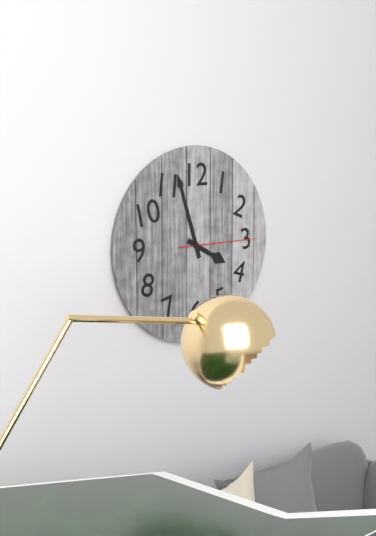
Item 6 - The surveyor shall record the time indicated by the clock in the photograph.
3:57:15
